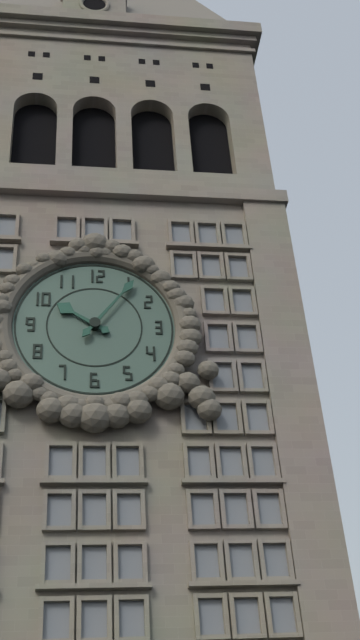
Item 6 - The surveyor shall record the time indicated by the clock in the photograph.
10:06
